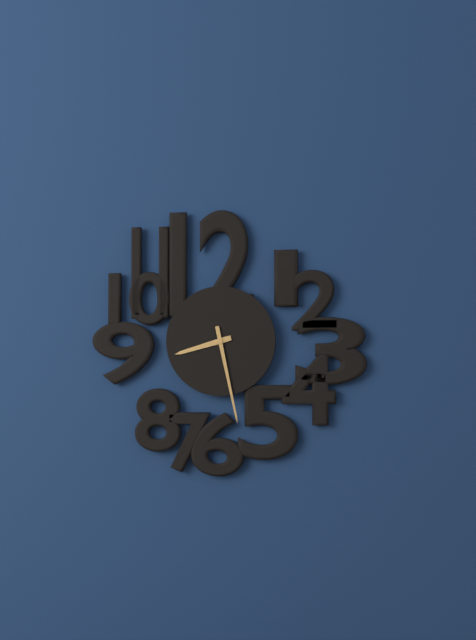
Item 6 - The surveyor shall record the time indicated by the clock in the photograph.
8:28
